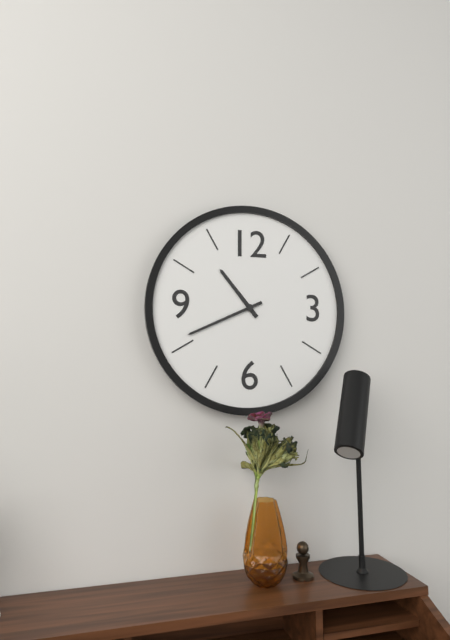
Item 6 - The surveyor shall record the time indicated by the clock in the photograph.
10:41
